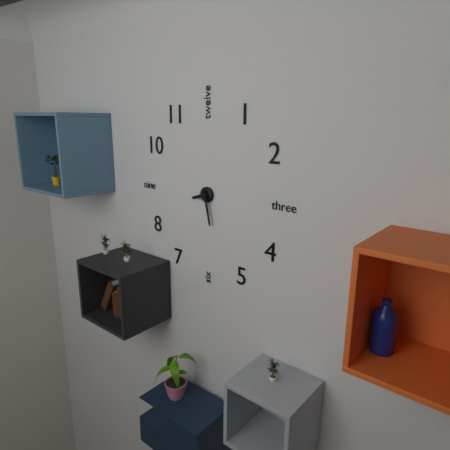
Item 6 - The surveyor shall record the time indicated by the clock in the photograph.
8:28
